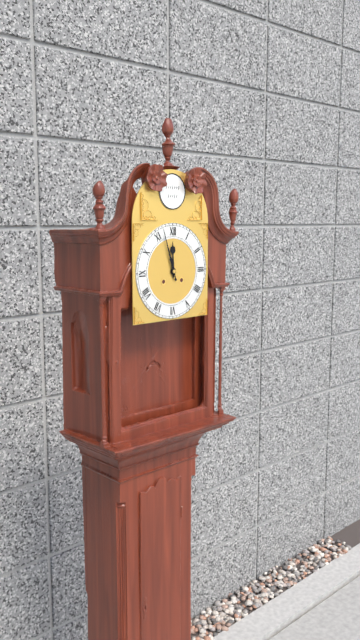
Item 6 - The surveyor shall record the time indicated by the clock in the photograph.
11:57
